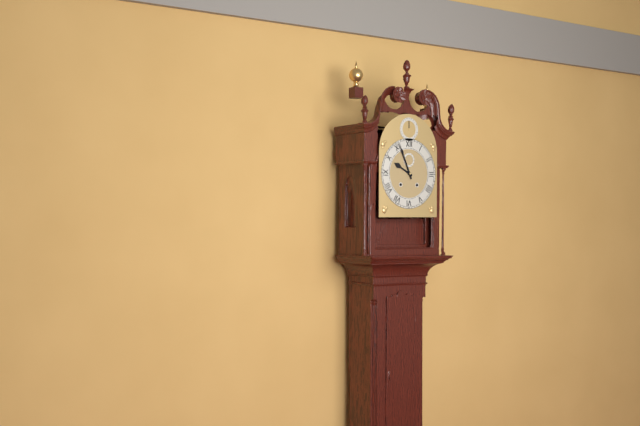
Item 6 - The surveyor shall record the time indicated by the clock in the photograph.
9:56
